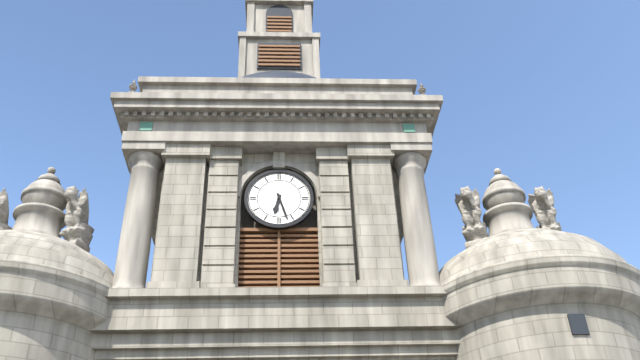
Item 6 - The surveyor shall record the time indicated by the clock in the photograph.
6:27
